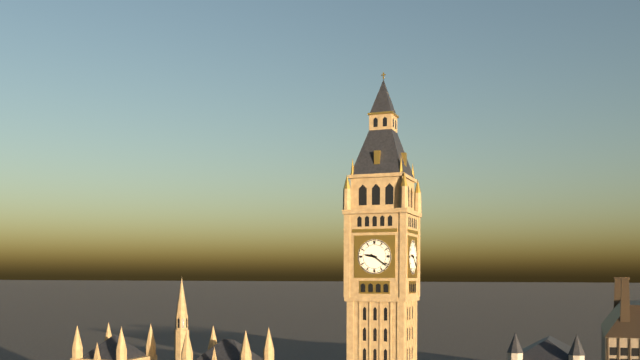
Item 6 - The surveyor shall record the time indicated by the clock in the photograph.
9:21
